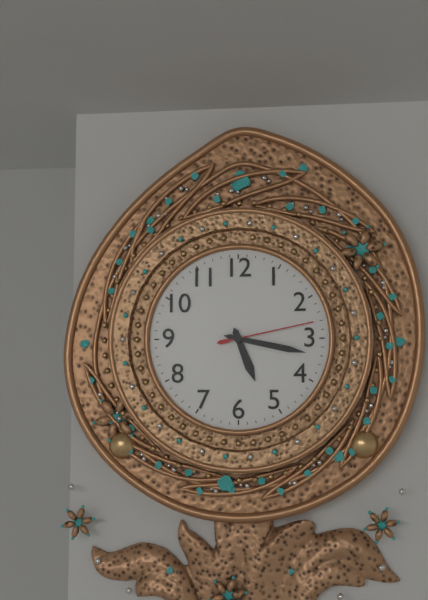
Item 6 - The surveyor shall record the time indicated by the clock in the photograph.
5:17:13
